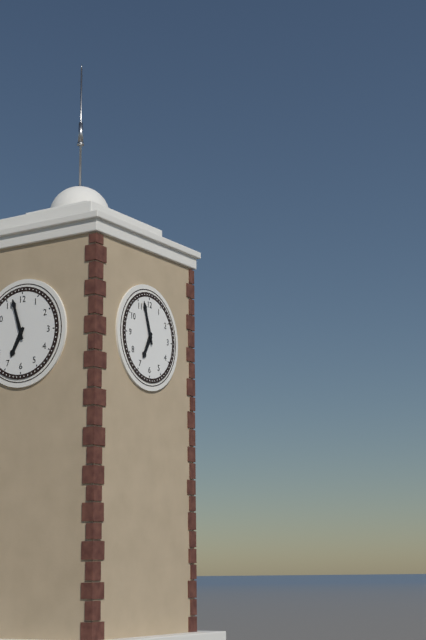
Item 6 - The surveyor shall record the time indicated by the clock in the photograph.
6:57
